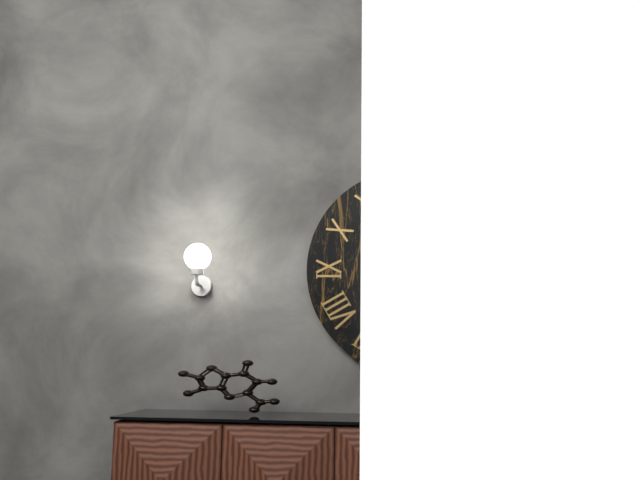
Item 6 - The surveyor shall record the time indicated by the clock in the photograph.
12:23
